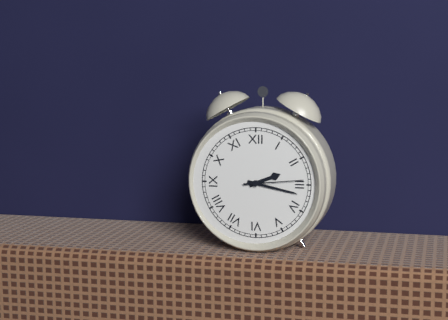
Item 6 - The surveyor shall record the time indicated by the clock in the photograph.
2:17:14
